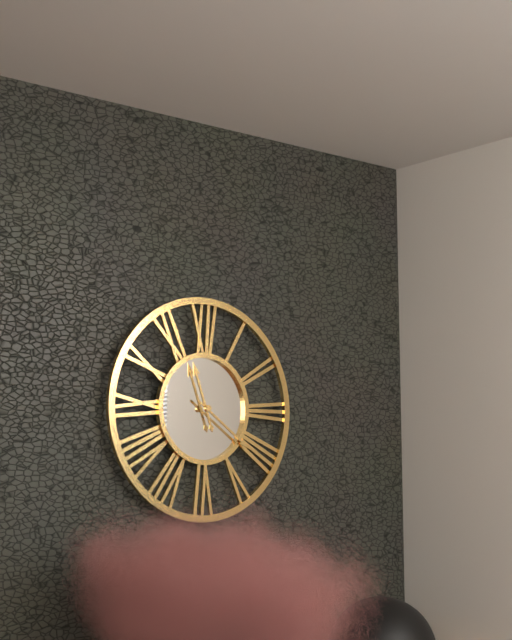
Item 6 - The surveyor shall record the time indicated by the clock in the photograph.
11:21
